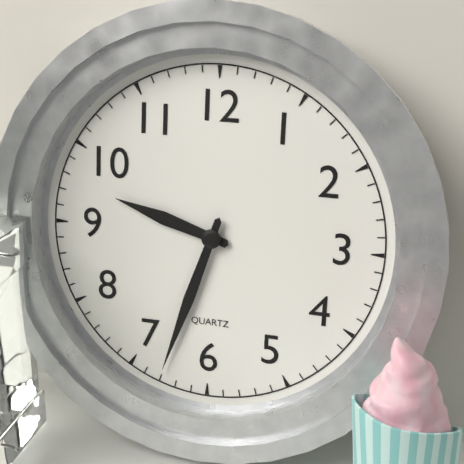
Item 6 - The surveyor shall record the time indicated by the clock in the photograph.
9:33
